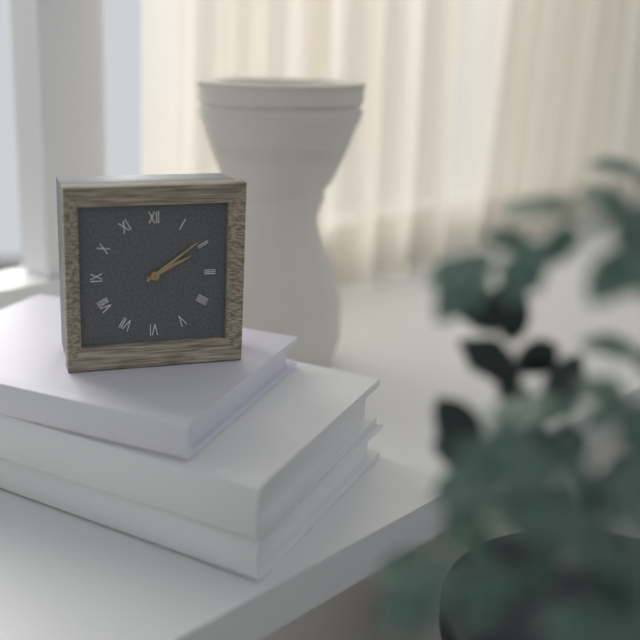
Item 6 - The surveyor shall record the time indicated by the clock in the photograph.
2:09
